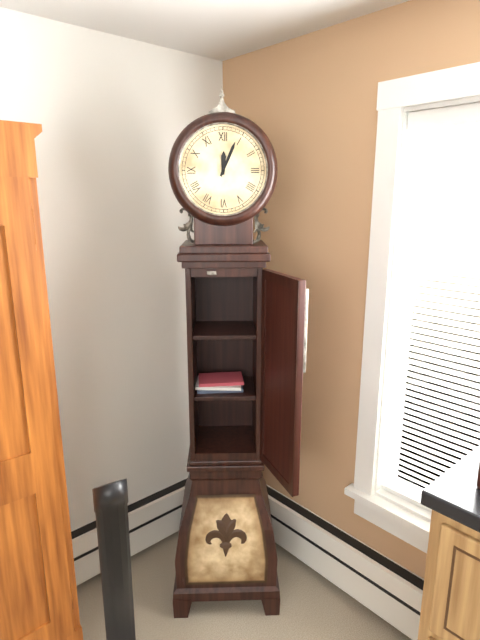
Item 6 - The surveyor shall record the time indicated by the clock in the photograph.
12:04
